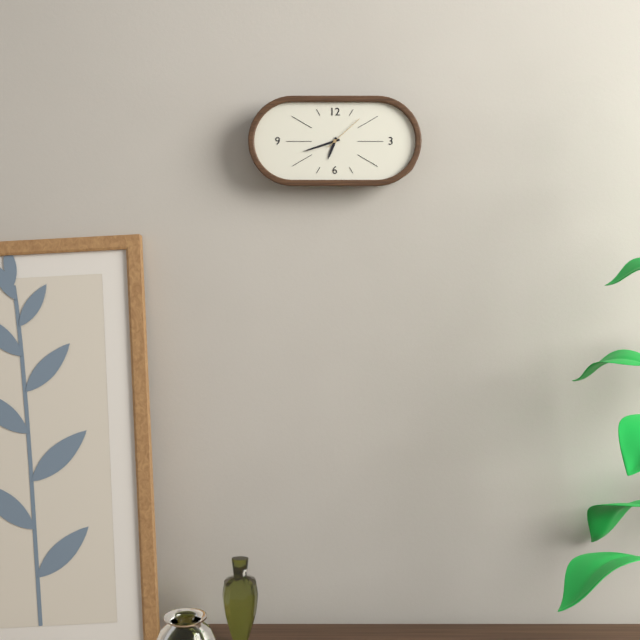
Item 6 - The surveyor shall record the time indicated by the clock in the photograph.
6:42
